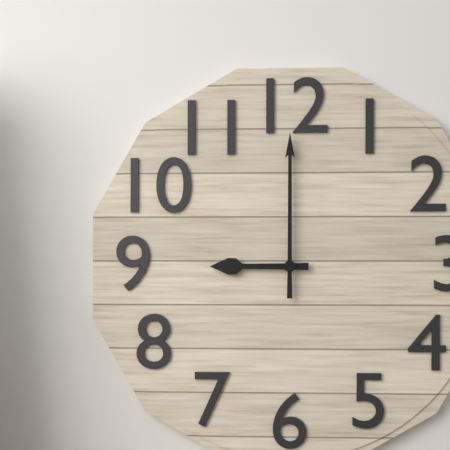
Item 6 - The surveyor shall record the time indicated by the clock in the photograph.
9:00
